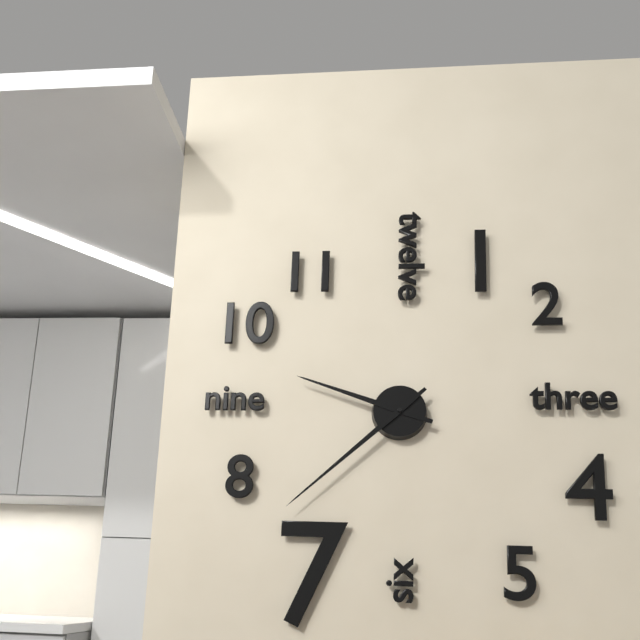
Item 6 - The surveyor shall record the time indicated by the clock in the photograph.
9:38
